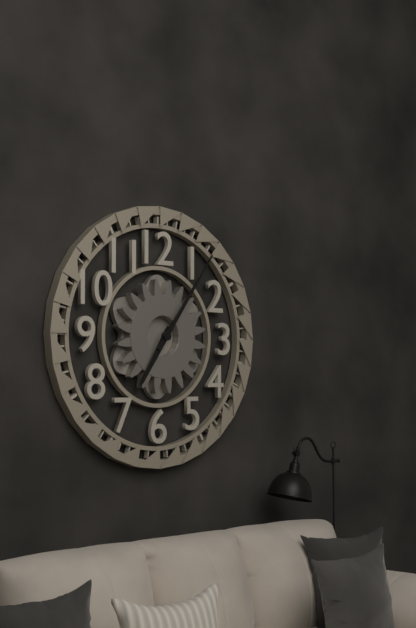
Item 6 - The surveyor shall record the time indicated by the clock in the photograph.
7:06
